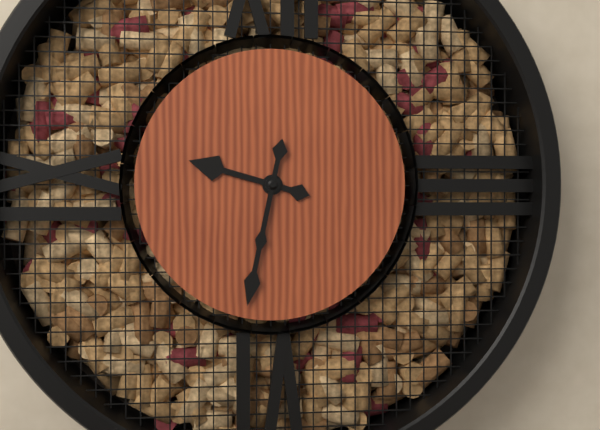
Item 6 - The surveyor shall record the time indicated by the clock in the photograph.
9:32
